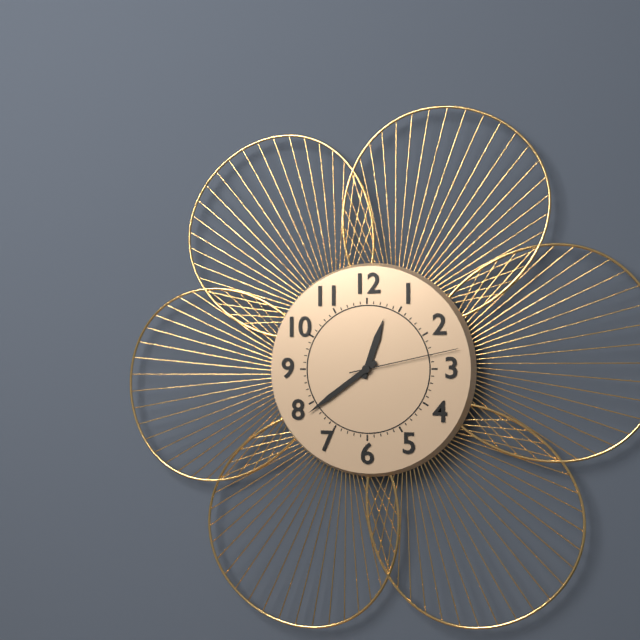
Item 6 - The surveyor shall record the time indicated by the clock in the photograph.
12:39:13
